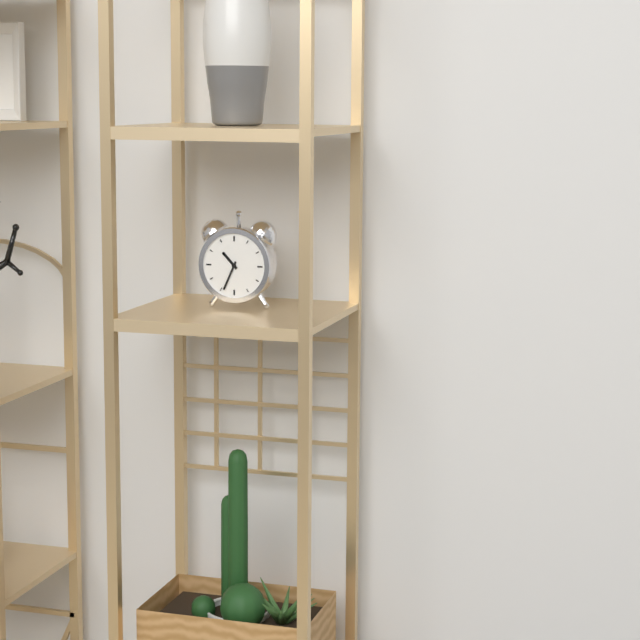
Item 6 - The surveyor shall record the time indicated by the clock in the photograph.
10:34
